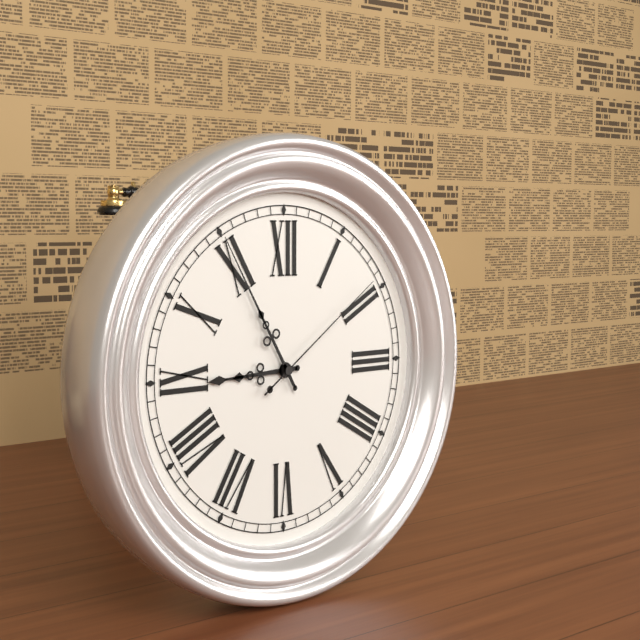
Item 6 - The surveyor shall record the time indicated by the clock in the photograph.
8:55:09
